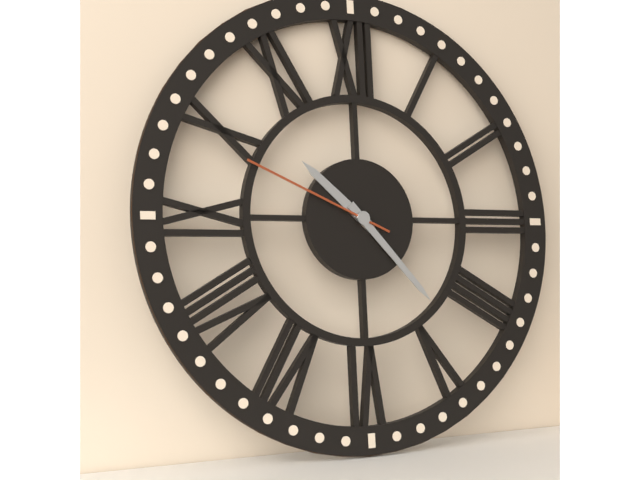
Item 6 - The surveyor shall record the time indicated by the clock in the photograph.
10:23:49
